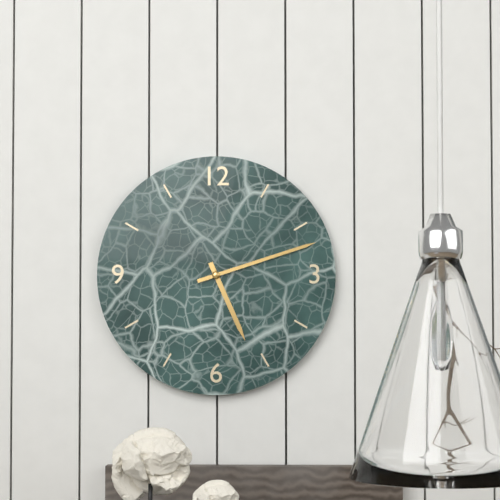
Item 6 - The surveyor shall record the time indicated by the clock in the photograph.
5:12
